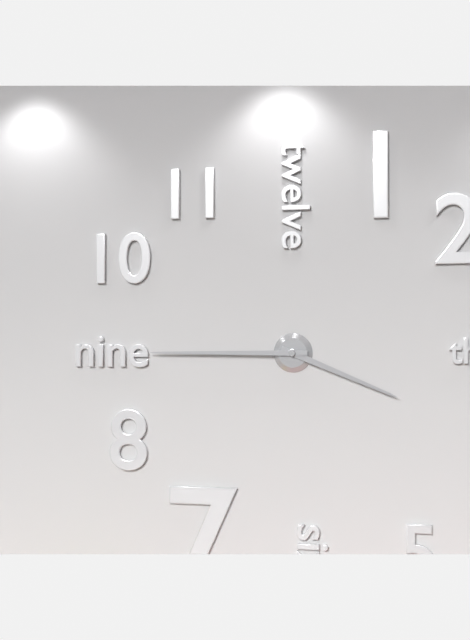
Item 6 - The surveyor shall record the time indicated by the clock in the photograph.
3:45
